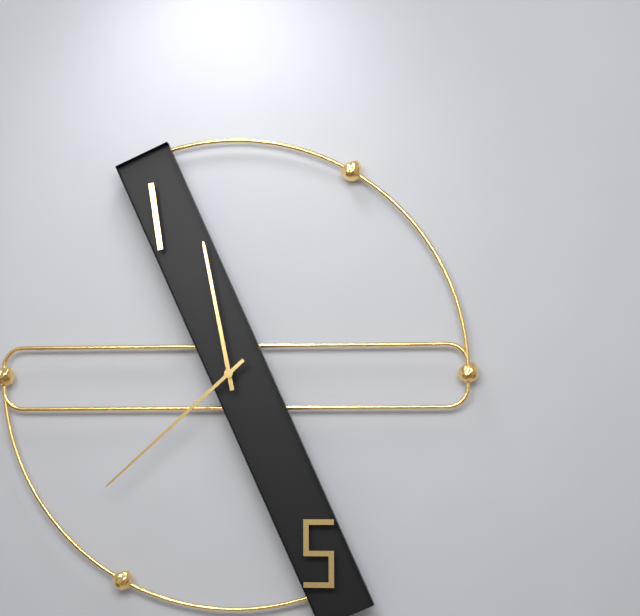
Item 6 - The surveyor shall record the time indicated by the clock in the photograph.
11:38
